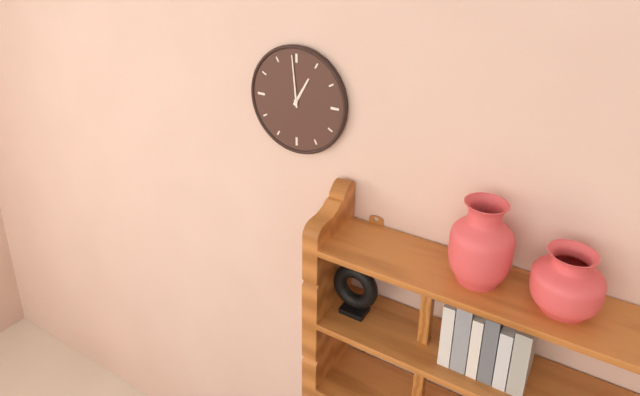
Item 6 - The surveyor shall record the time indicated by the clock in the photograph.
12:59
